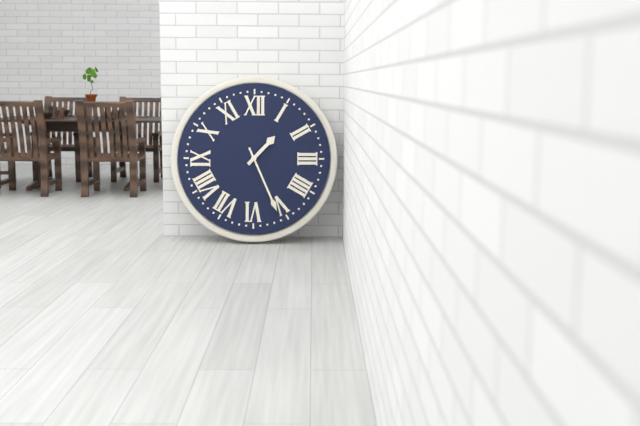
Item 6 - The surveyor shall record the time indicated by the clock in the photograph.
1:26
